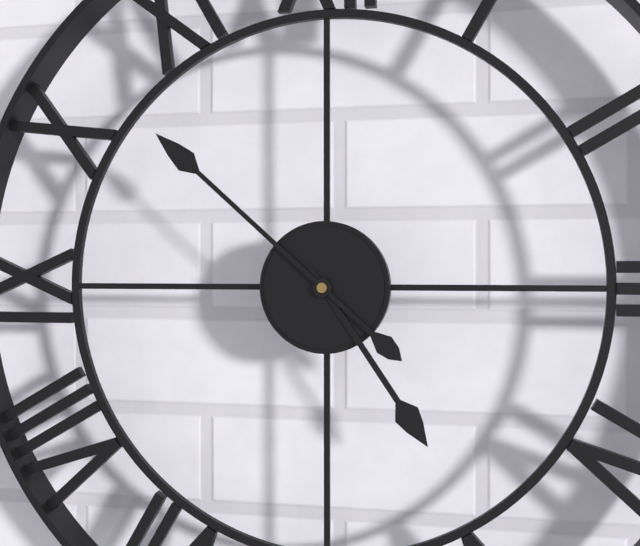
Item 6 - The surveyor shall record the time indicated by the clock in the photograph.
4:52
